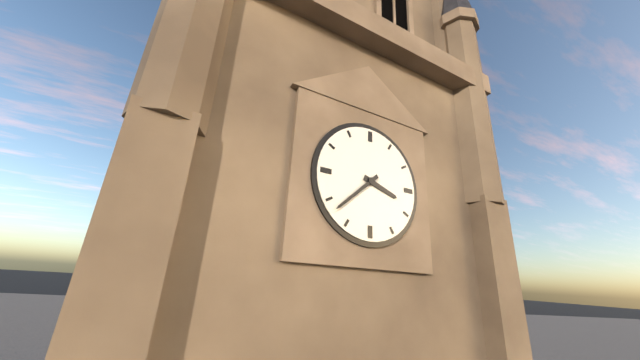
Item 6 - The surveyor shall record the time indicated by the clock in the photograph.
3:38
